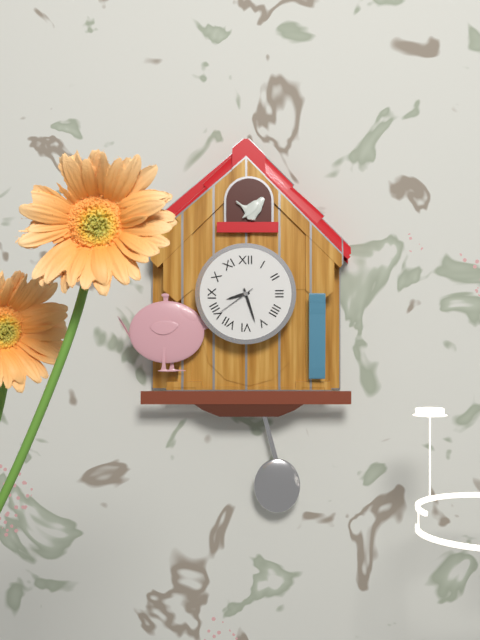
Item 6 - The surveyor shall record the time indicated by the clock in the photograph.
8:27
